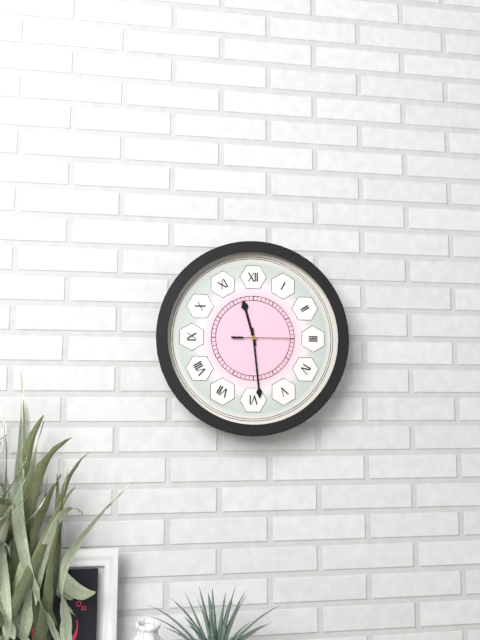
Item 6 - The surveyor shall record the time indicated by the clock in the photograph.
11:29
